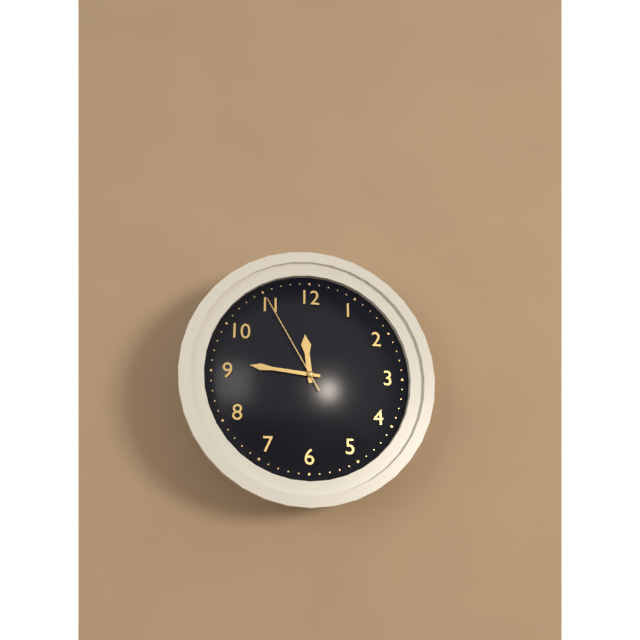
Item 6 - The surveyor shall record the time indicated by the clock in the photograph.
11:46:55
